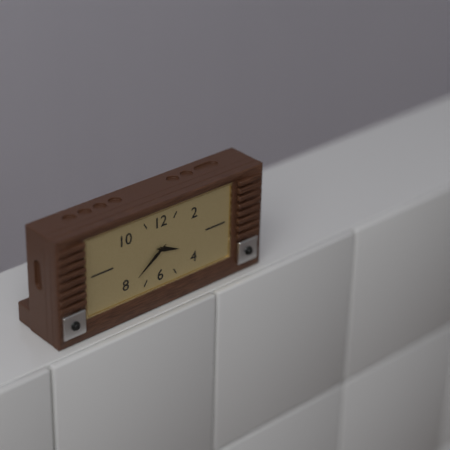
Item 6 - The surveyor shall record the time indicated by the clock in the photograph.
3:39
